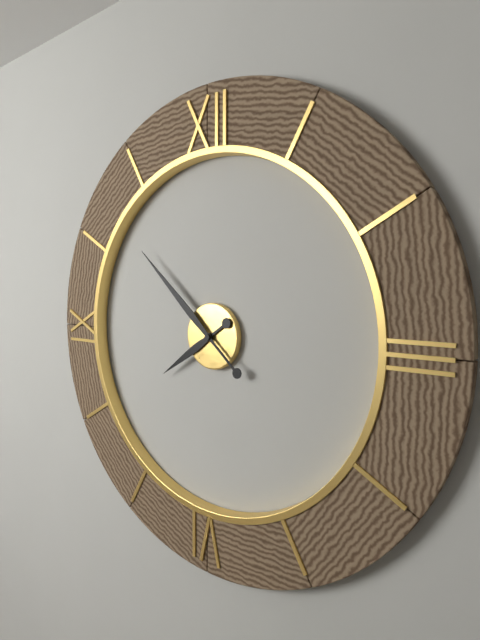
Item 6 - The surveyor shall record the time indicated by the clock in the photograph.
7:52
